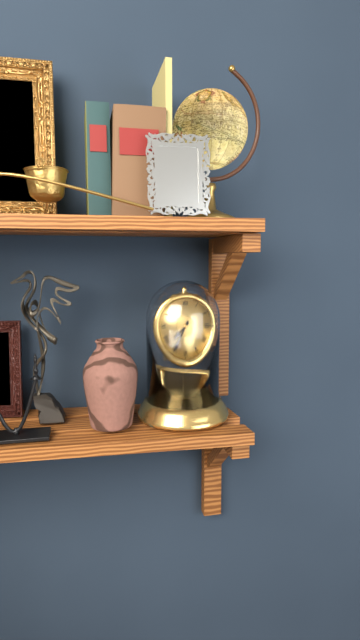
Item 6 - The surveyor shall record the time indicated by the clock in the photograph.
7:35
